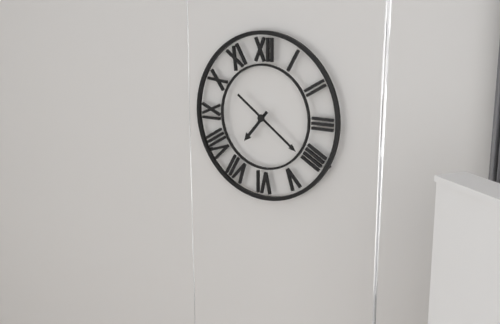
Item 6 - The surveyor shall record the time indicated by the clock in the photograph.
7:21
